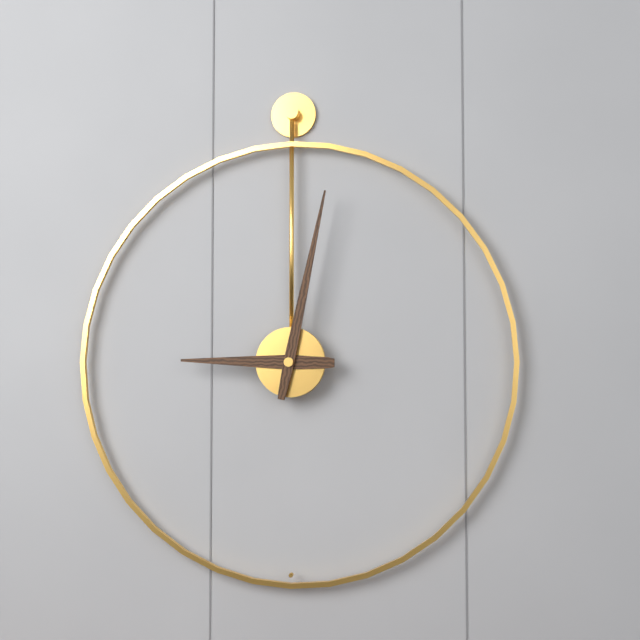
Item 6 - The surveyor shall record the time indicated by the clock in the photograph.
9:02
